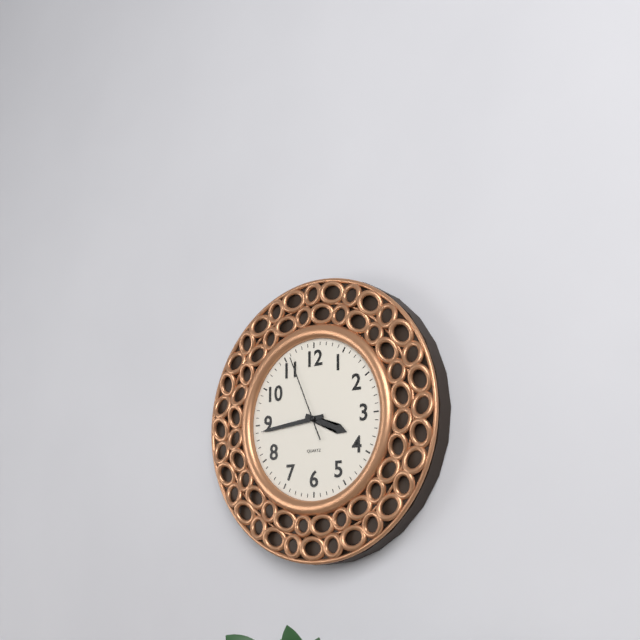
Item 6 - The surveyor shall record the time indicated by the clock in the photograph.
3:44:56
